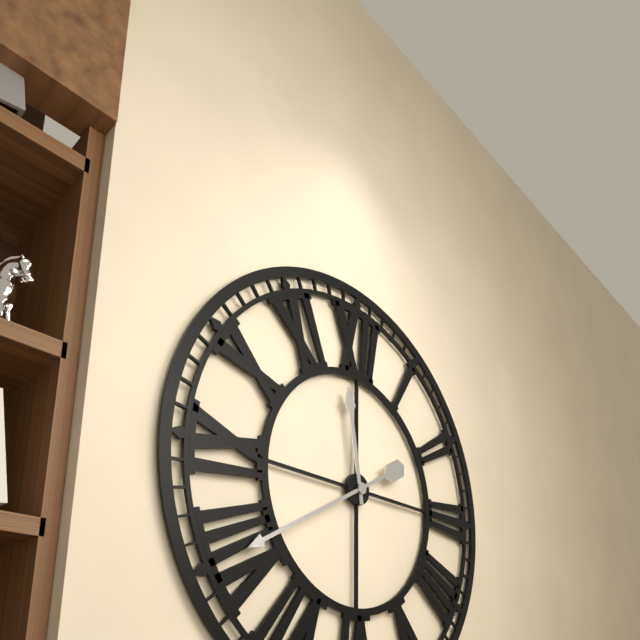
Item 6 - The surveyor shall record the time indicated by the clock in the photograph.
11:40
